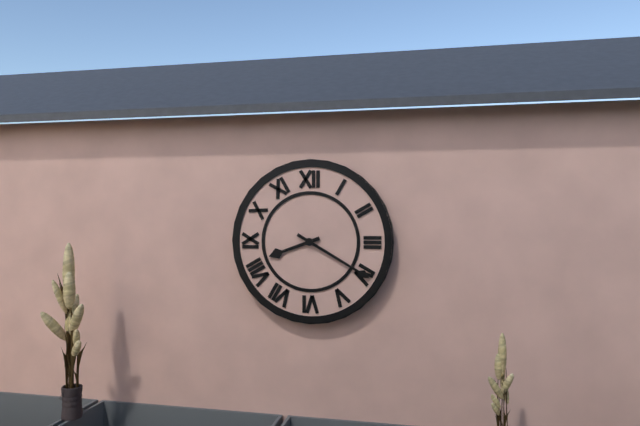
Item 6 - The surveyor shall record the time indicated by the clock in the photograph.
8:20
